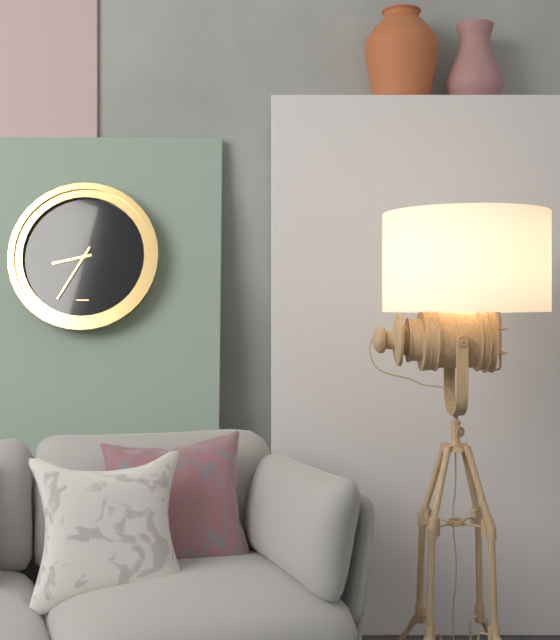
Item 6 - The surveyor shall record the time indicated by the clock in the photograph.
8:35
